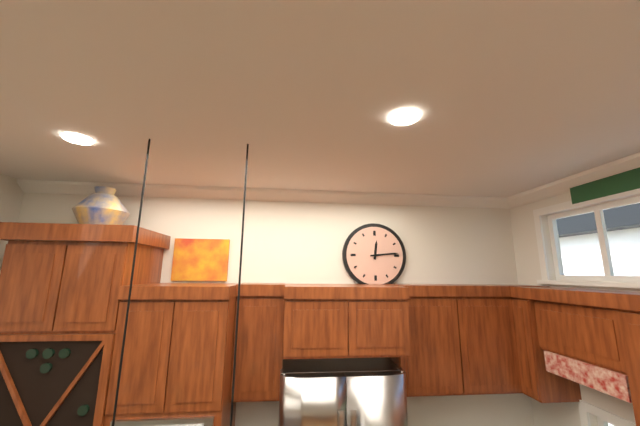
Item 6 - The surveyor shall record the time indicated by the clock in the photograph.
12:14
